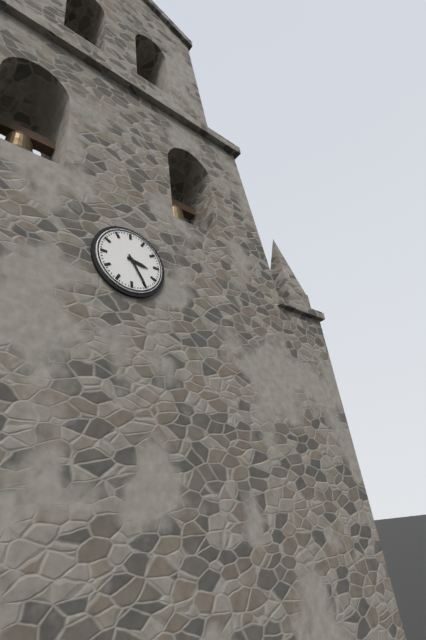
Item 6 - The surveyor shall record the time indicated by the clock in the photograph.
3:25
